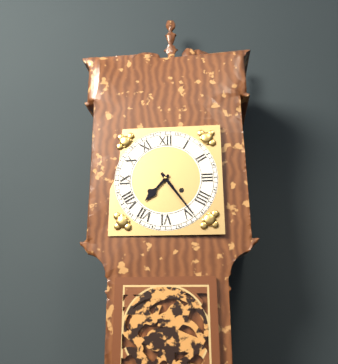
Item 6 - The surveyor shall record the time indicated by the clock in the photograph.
7:24
